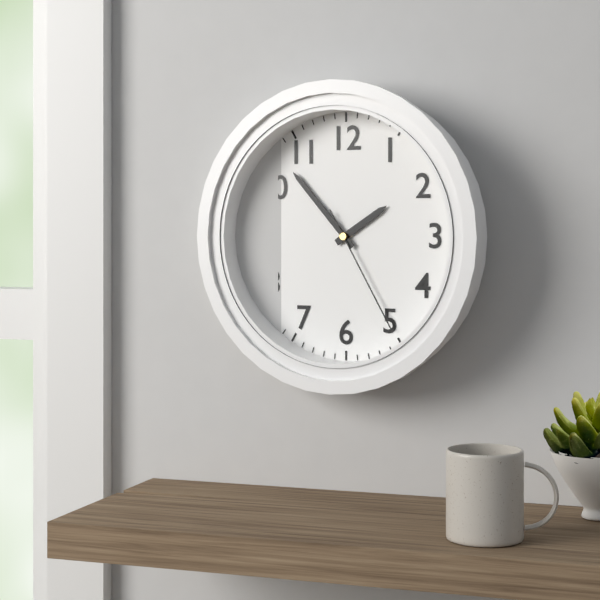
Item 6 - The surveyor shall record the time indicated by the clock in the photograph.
1:53:25
